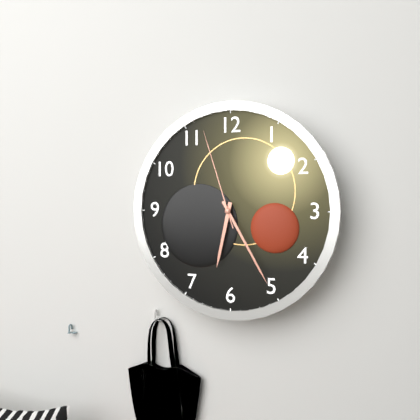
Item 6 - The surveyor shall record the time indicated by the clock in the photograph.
6:25:57
